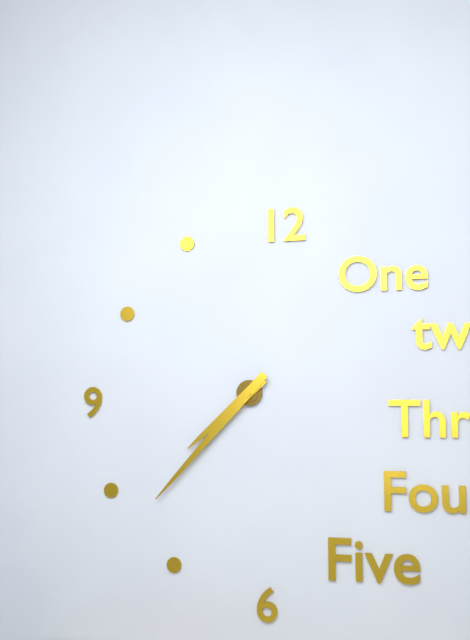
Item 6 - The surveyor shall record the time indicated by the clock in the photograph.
7:37
